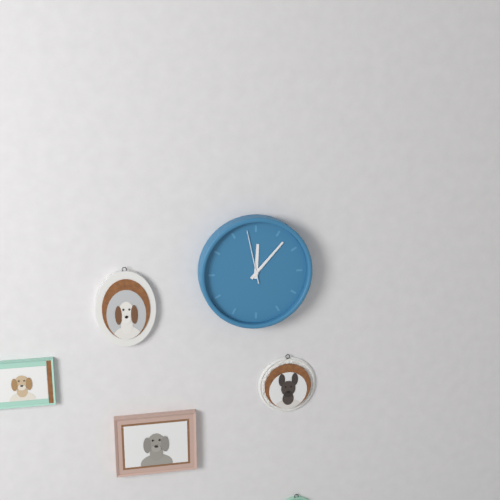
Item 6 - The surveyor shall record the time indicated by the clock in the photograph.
12:07:58
